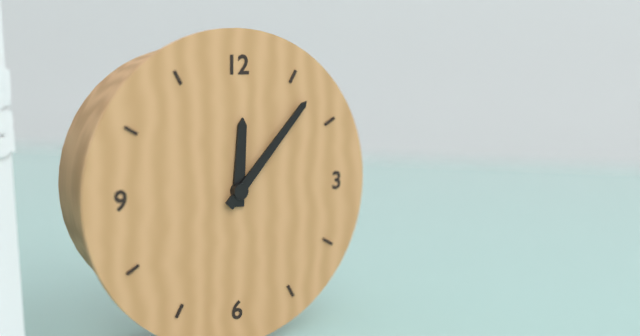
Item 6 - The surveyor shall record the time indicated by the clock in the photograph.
12:07
